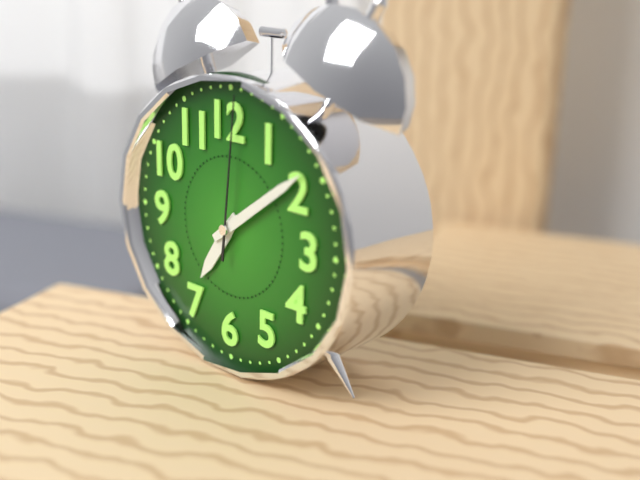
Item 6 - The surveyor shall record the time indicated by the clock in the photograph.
7:09:01
